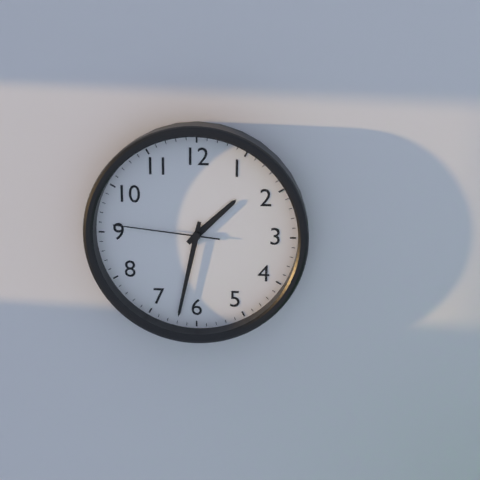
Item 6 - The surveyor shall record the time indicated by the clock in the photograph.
1:32:46
